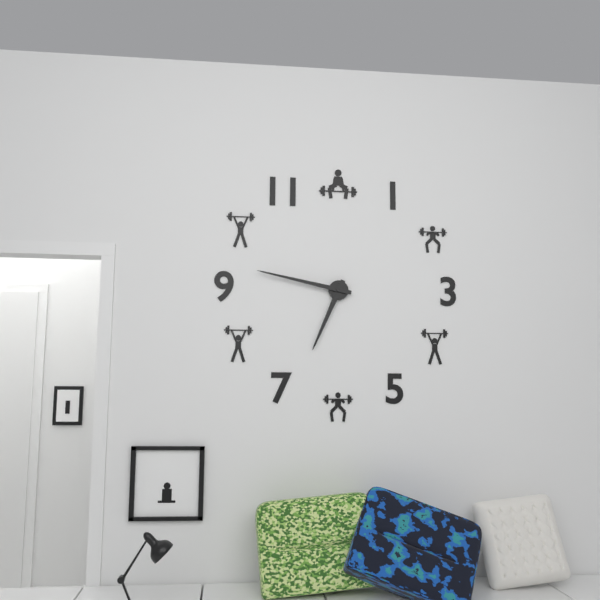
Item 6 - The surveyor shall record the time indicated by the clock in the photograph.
6:47
